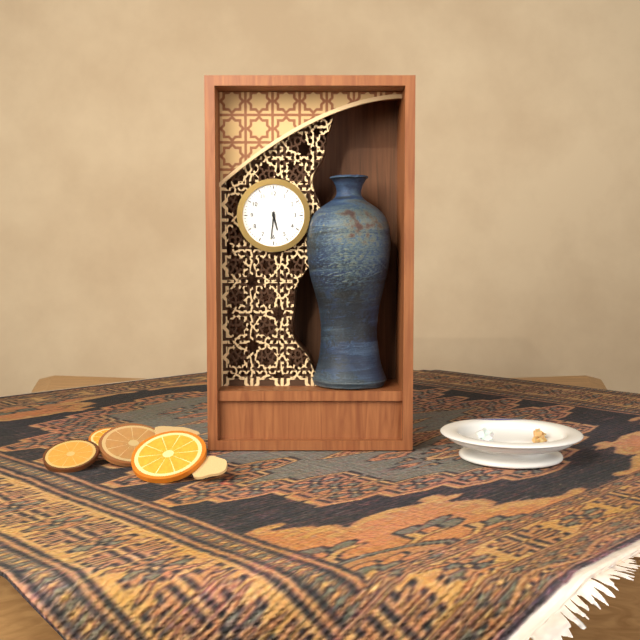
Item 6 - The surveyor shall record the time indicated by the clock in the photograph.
5:31
